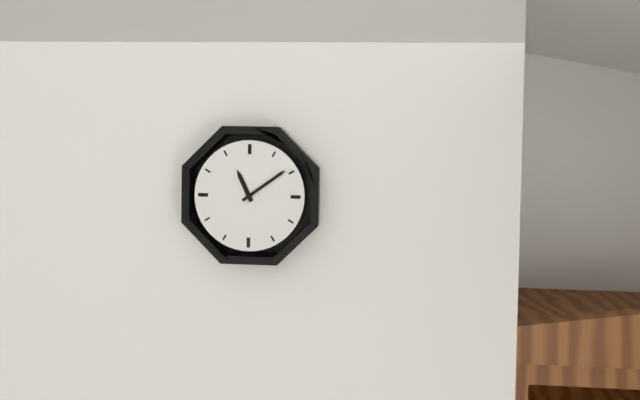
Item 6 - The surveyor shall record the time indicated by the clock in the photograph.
11:09
